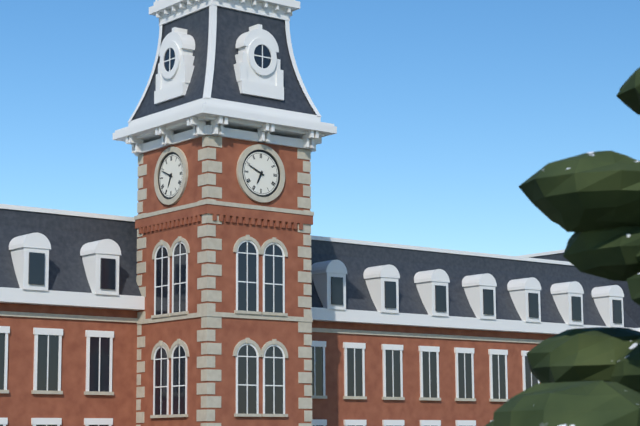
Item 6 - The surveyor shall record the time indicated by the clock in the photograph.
6:49
